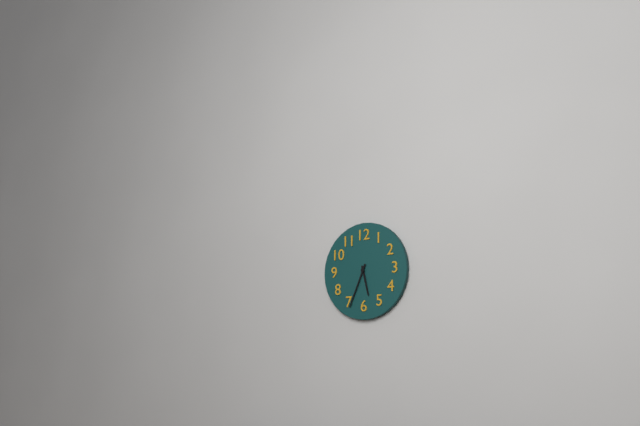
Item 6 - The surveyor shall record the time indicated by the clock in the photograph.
5:34
